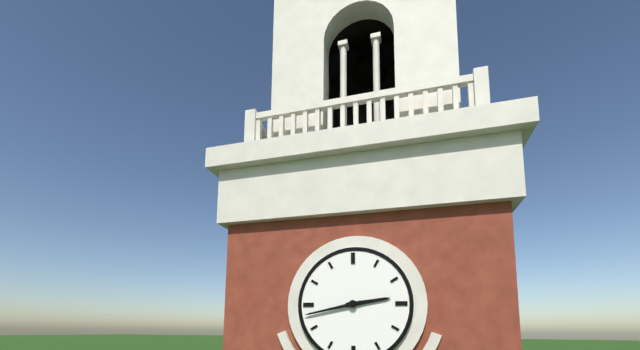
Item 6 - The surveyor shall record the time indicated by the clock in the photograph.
2:43
